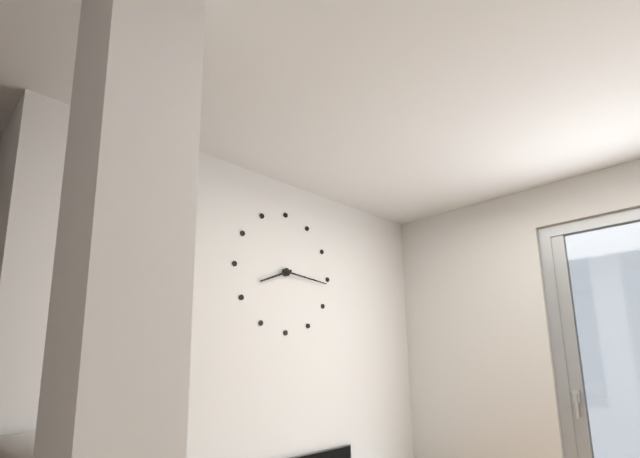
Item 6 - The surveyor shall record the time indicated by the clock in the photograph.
8:16
